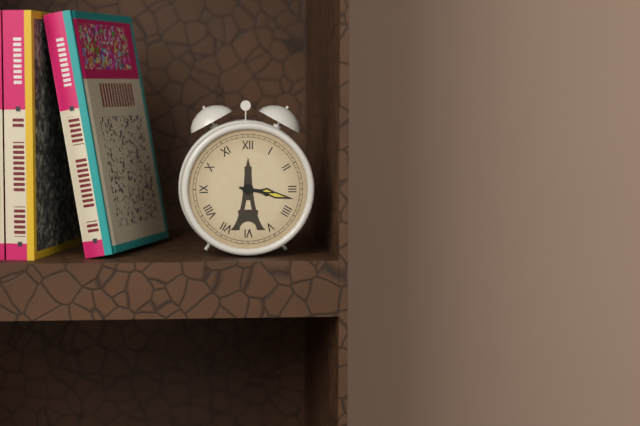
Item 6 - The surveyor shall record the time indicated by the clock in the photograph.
3:17
